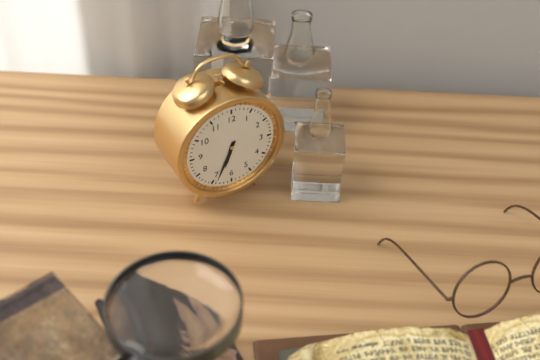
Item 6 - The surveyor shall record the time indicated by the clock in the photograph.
6:34
